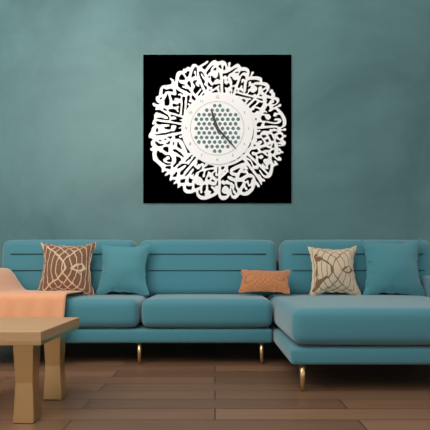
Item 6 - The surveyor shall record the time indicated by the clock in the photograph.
11:23
